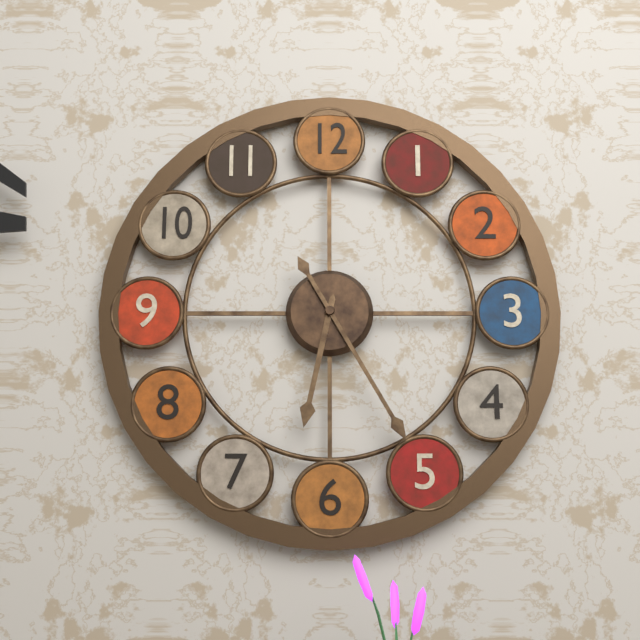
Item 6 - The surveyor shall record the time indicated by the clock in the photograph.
6:25
